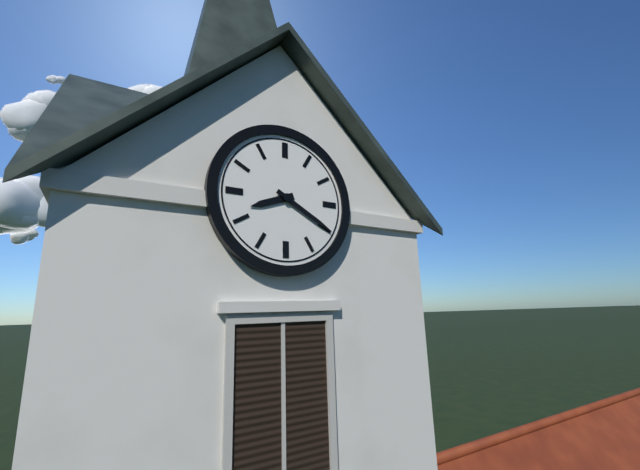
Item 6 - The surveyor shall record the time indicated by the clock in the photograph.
8:20
